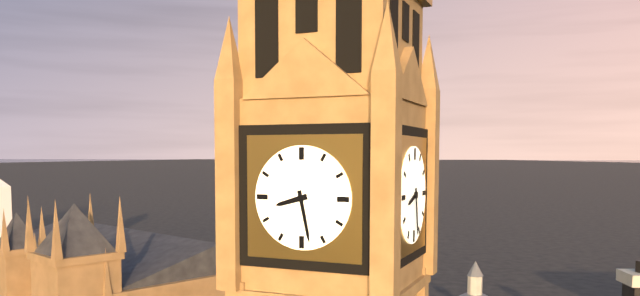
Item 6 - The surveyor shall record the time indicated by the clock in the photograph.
8:28
